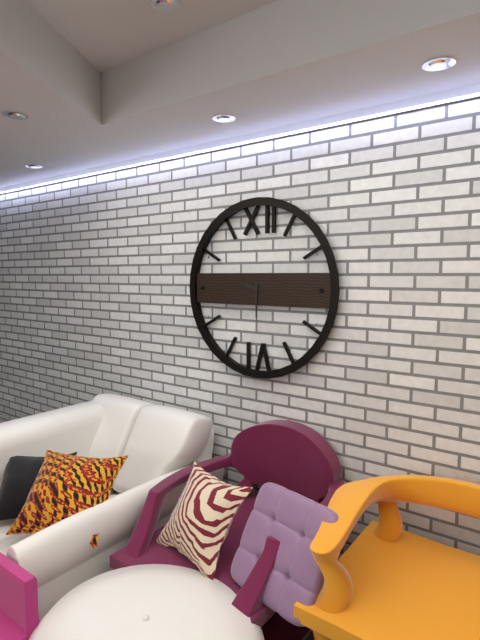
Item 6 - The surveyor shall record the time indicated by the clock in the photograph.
9:30
